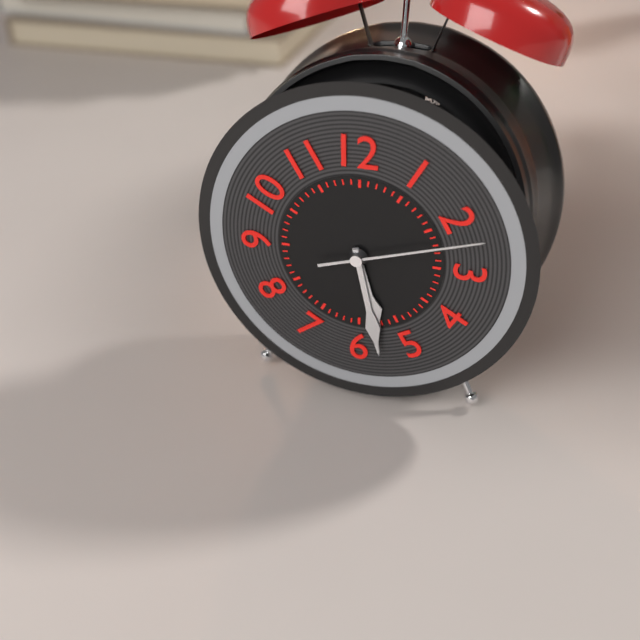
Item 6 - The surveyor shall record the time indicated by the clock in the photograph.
5:28:12
